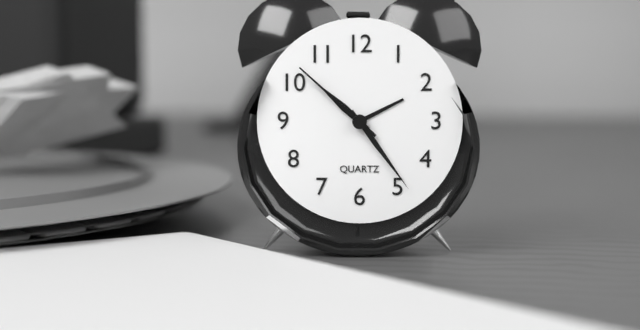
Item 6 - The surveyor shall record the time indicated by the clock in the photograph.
10:24:52
